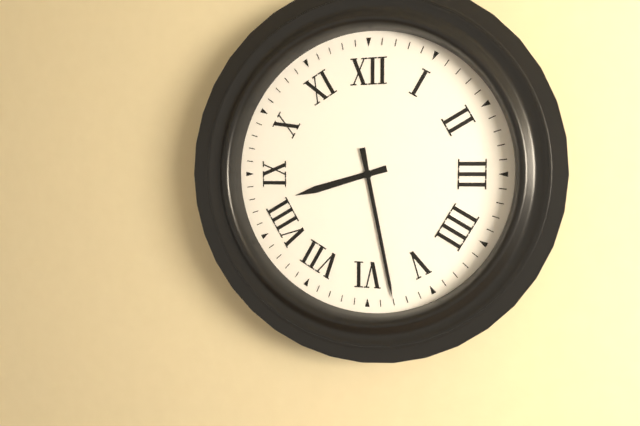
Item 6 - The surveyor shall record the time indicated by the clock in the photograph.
8:28
